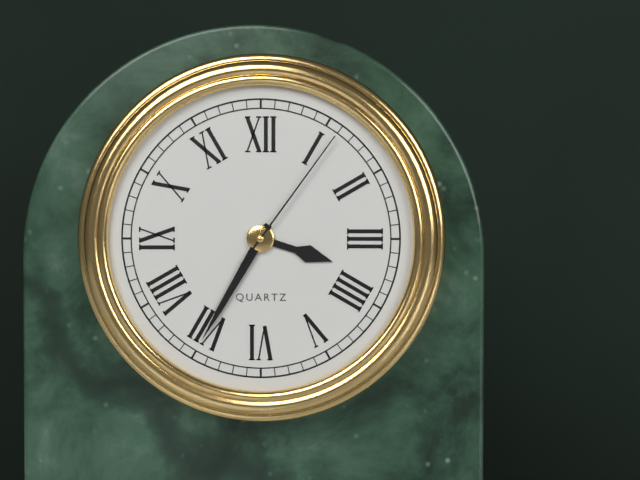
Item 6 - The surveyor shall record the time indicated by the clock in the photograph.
3:35:06
